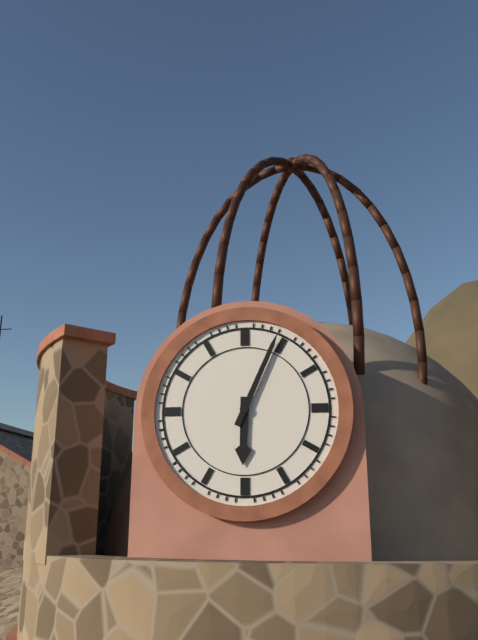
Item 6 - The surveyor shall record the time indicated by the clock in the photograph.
6:04
